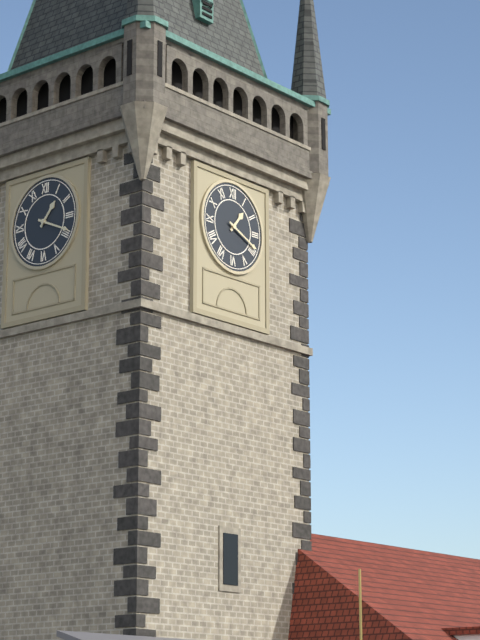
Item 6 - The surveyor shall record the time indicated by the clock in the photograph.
1:19
